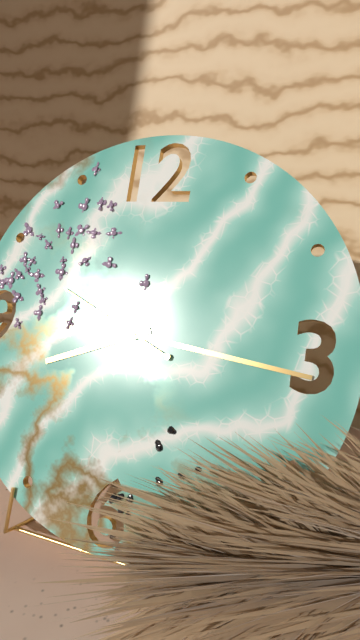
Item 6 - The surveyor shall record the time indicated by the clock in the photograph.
8:16:49
